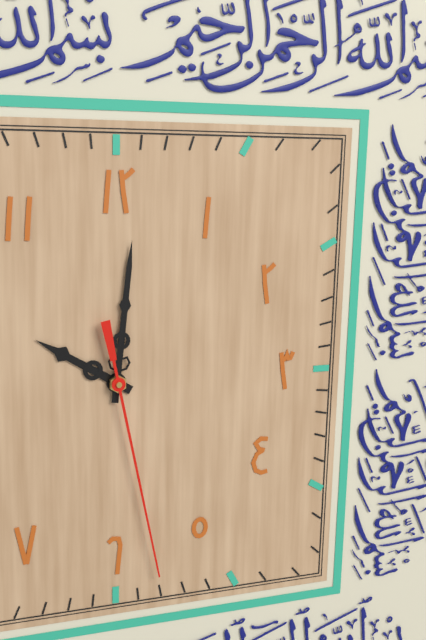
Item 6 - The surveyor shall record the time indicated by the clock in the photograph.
10:01:28
